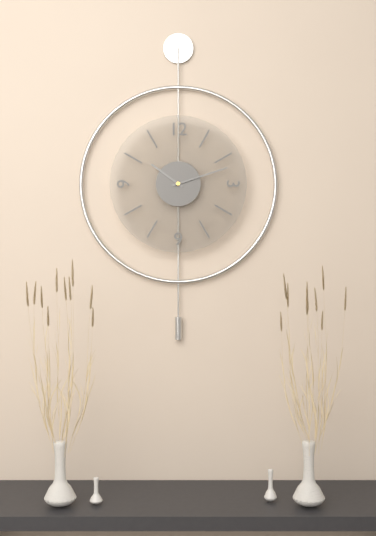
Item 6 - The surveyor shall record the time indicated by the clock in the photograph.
10:12
